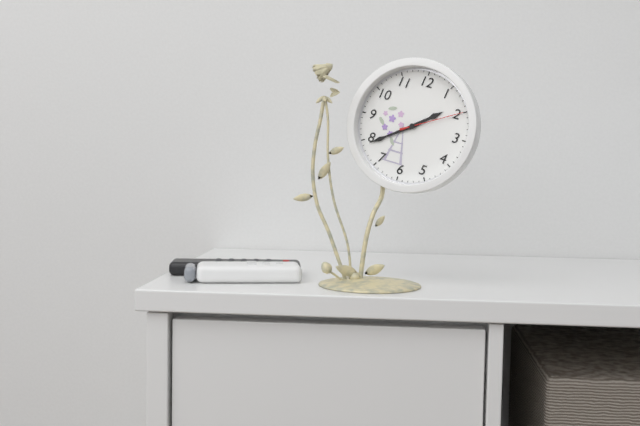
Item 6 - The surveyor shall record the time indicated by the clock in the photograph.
1:39:10
